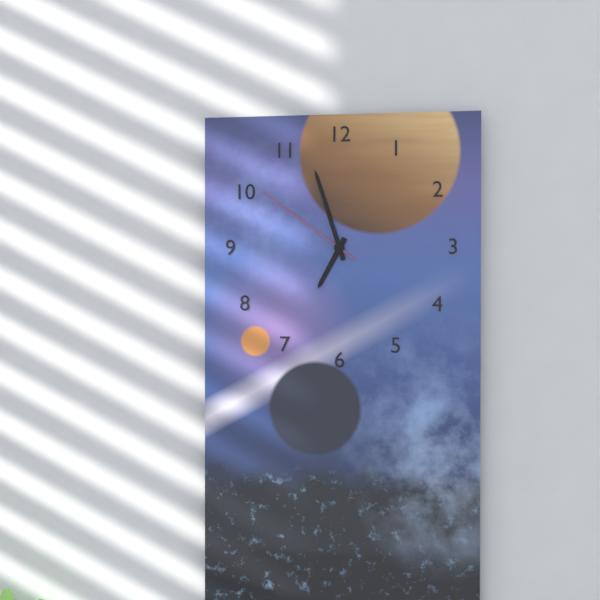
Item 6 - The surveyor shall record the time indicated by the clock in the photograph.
6:57:51
